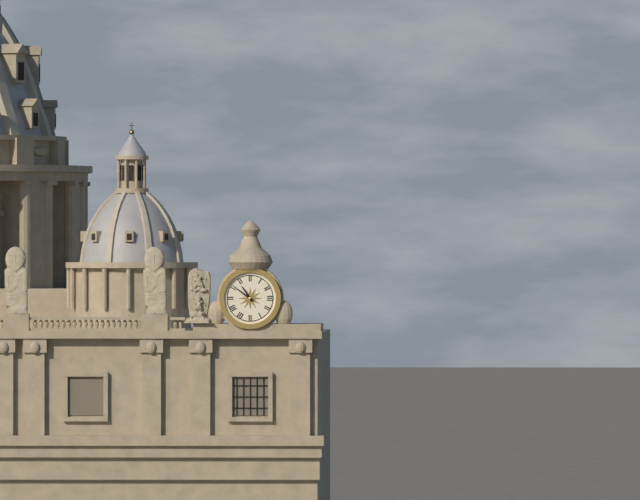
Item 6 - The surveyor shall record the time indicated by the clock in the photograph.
10:51
